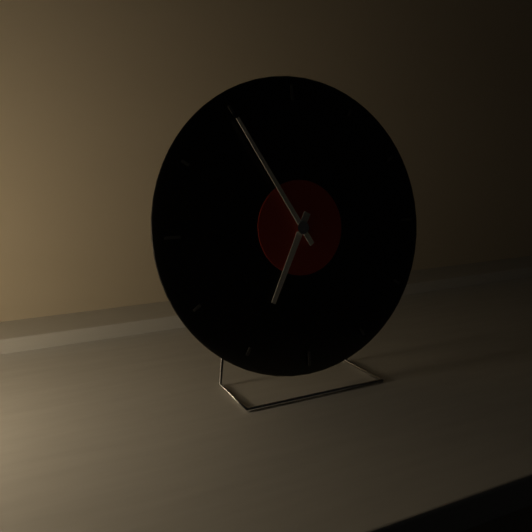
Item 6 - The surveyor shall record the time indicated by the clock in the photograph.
6:55
